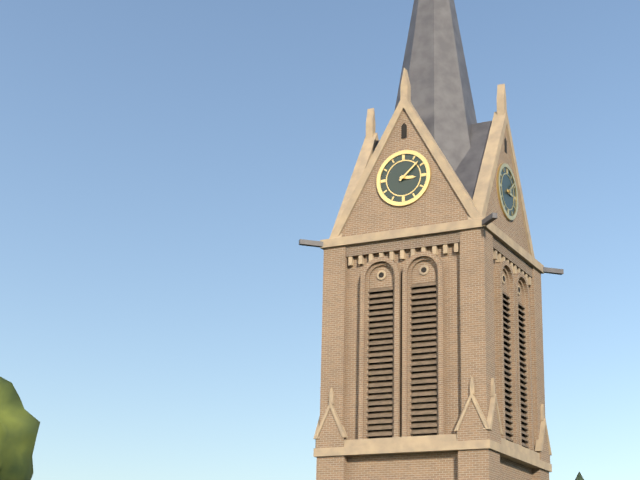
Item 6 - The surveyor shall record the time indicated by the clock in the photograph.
3:08
